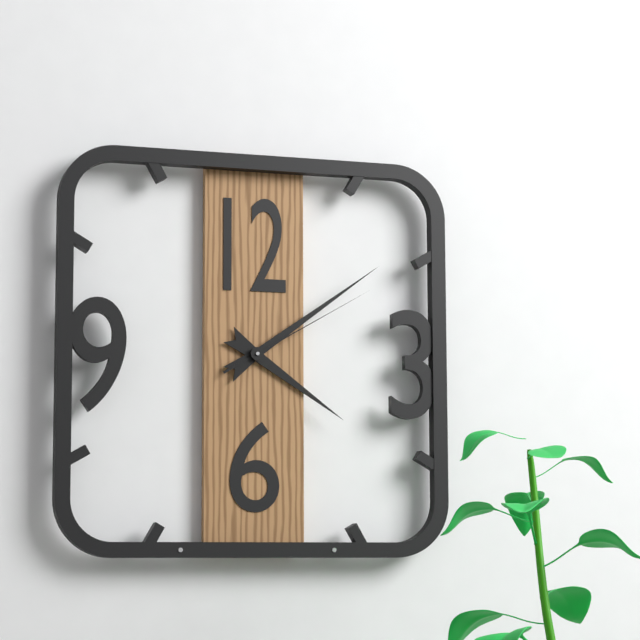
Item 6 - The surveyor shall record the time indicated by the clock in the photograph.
4:09:10
